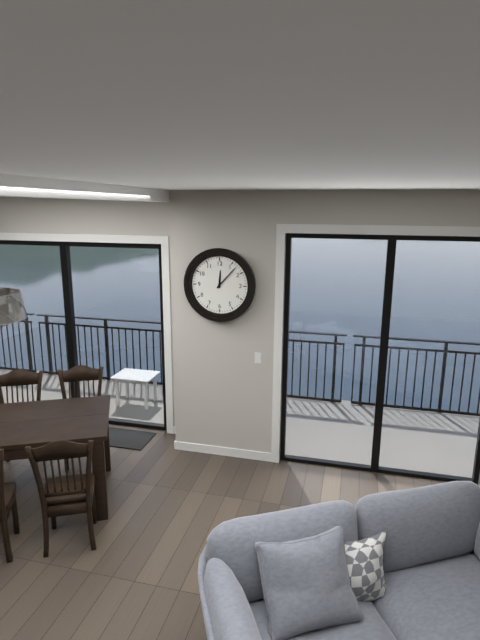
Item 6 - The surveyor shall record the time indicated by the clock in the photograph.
12:07
